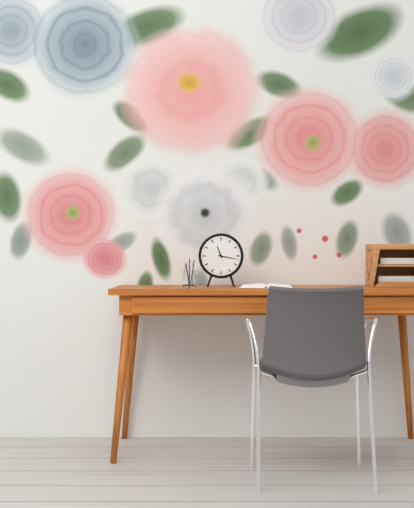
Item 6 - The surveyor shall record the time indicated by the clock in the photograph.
11:17
